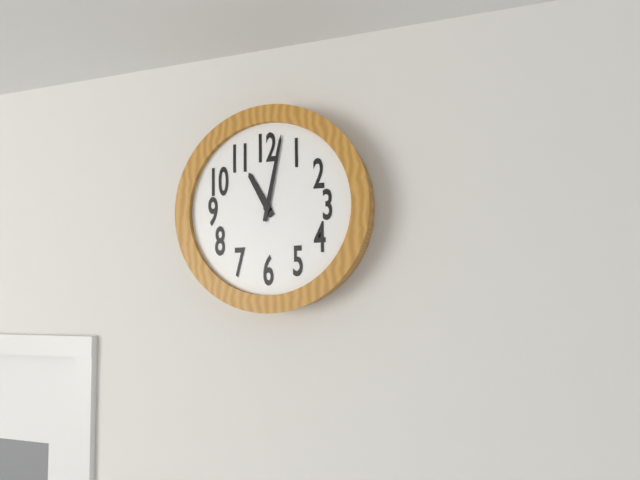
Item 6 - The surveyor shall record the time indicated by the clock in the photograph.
11:02
